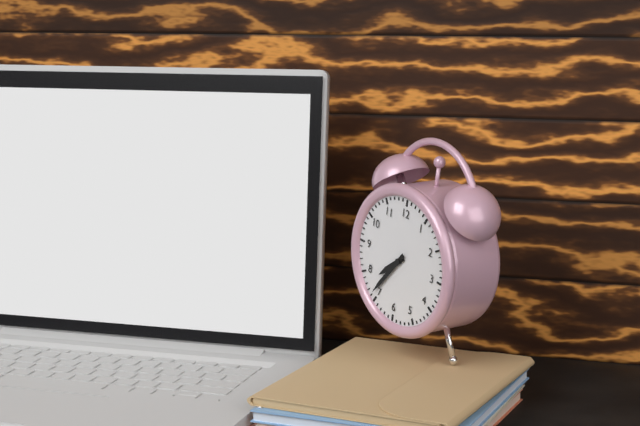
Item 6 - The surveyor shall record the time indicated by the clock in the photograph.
7:36
